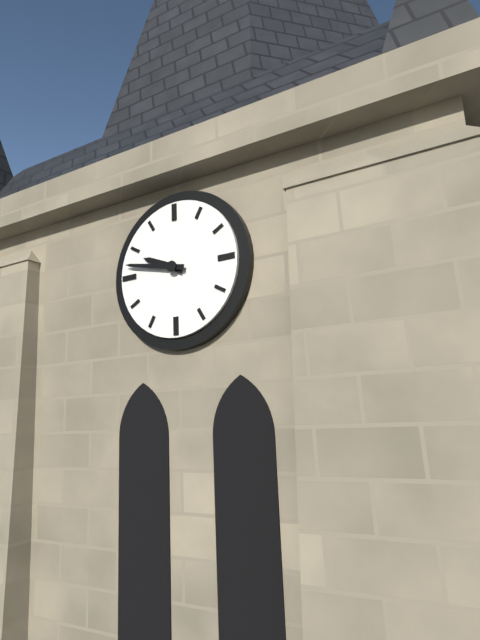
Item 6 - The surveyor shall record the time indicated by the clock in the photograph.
9:47
